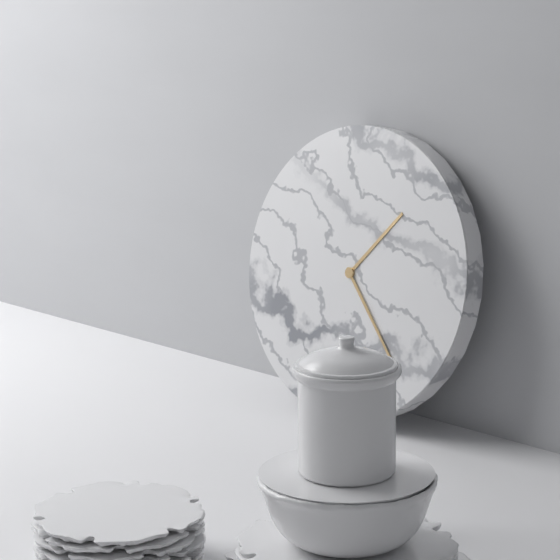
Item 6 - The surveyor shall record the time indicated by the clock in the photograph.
1:23
